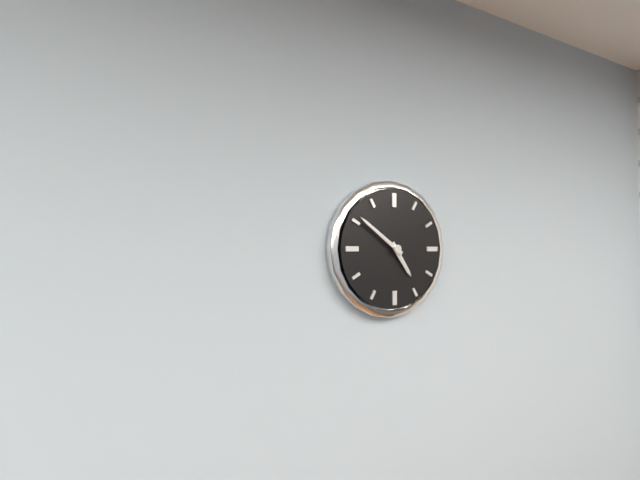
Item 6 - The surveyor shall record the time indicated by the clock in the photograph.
4:51
